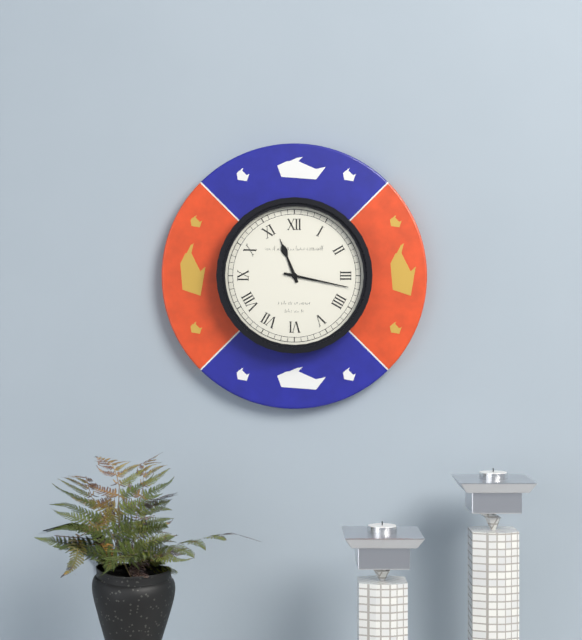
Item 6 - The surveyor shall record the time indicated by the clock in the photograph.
11:17
